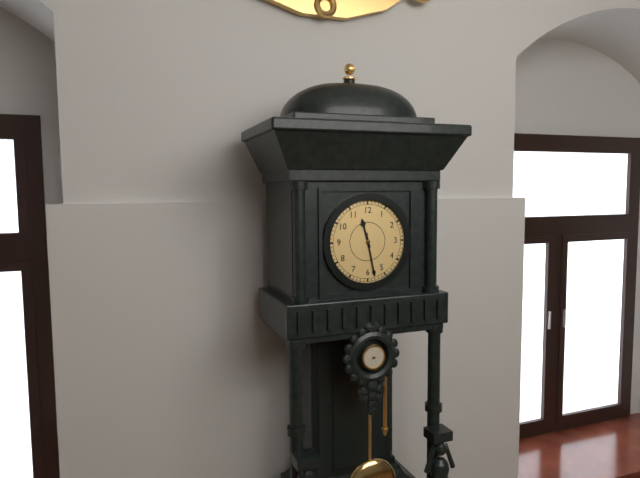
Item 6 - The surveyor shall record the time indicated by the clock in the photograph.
11:28
